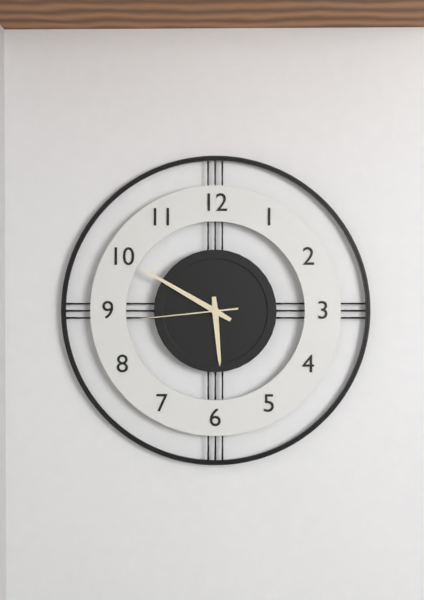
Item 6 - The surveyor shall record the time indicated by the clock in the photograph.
5:50:44
